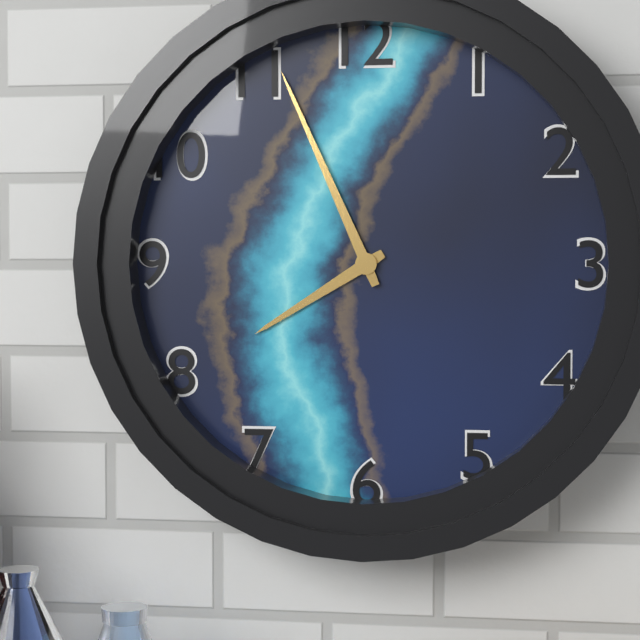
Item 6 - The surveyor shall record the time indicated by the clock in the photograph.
7:56
